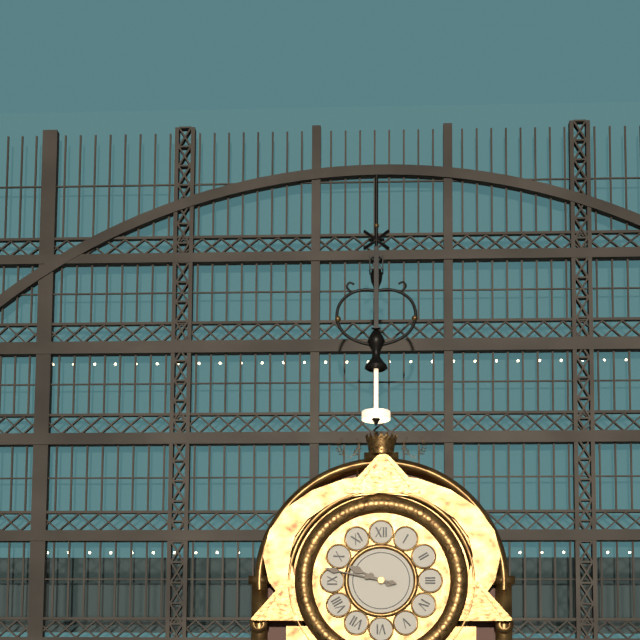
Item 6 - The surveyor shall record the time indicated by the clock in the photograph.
9:47
